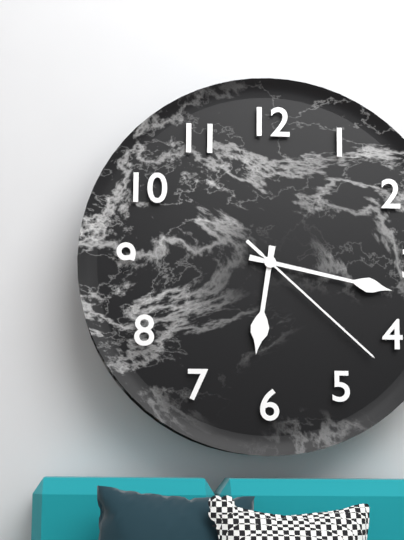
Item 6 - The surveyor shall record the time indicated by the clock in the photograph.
6:17:22
